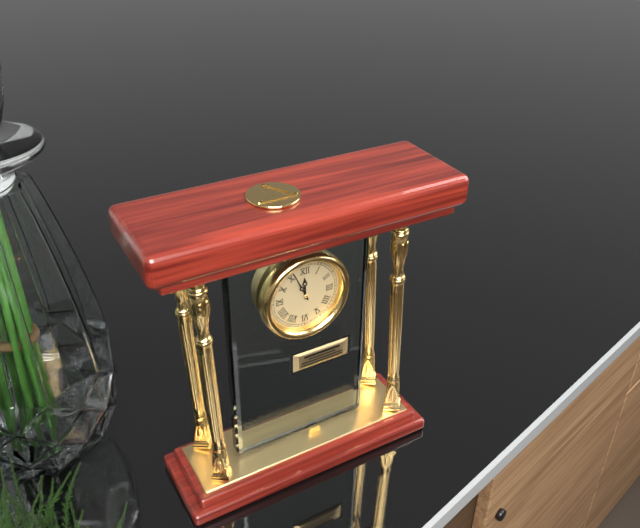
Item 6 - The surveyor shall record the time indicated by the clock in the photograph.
11:56
